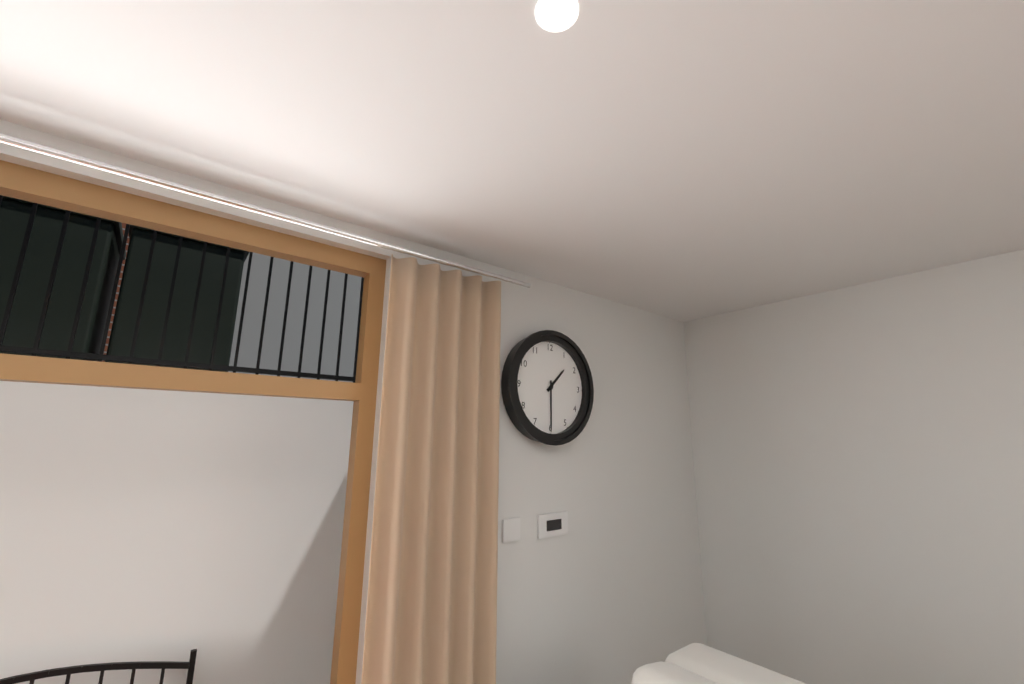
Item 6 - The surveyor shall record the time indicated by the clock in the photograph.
1:30
